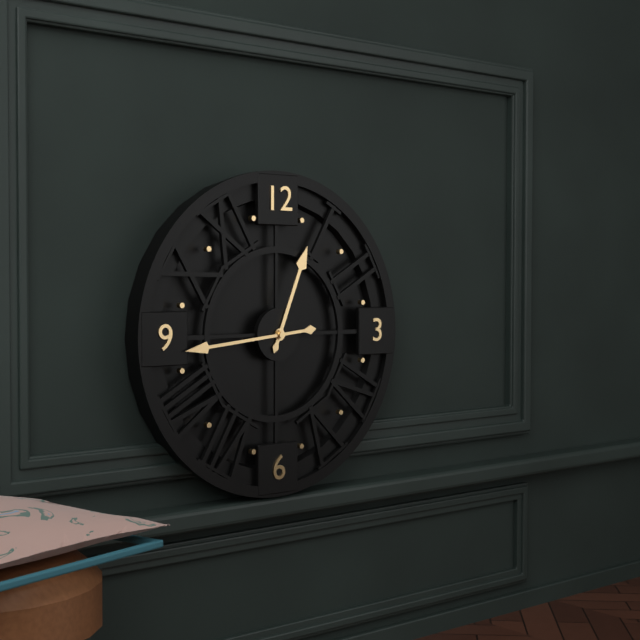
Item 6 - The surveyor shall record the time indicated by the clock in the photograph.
12:44
